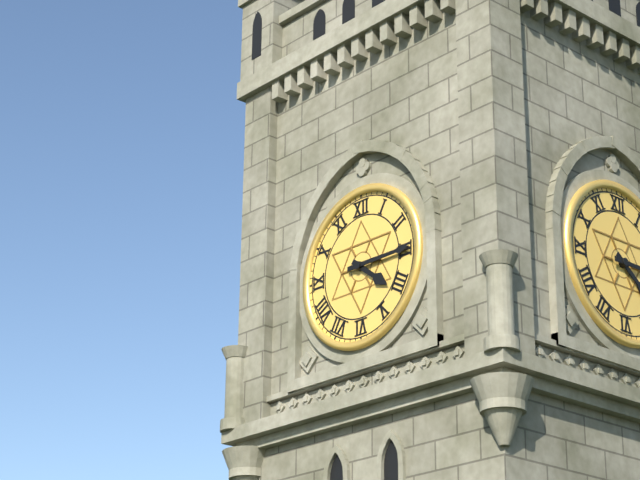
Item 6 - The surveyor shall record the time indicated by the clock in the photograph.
4:15
